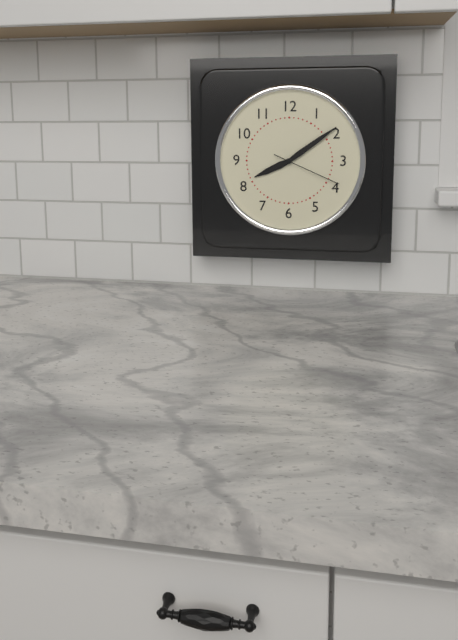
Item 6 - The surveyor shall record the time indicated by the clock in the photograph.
8:09:19
